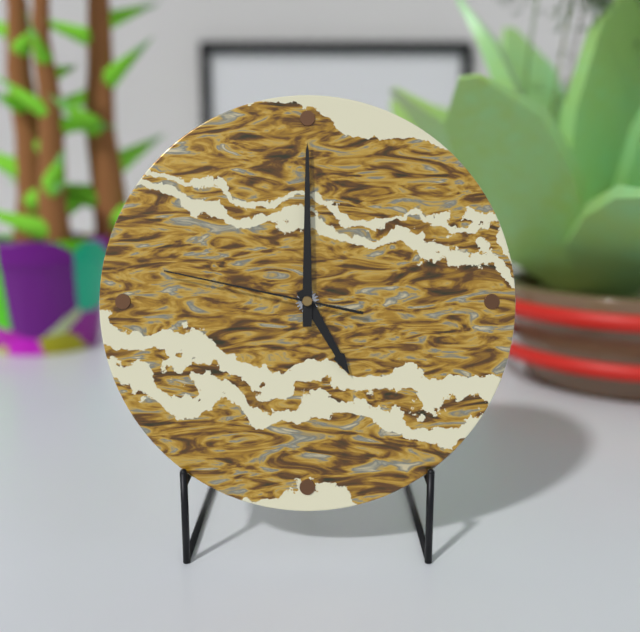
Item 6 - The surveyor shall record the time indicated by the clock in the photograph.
5:00:47
